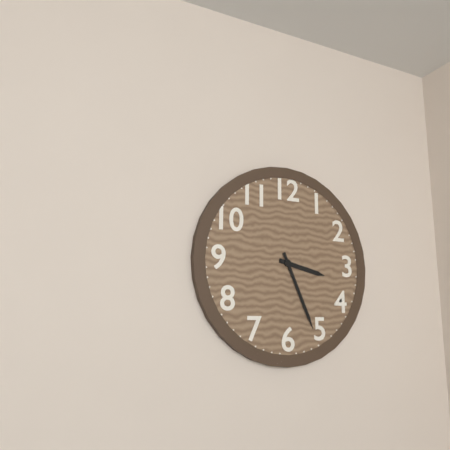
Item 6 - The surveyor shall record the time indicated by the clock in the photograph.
3:26
